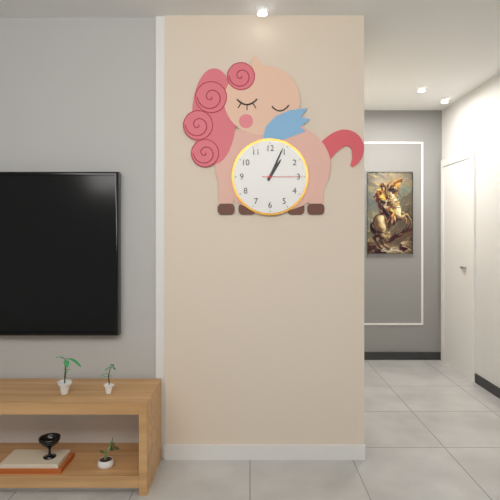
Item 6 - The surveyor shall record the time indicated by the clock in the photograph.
1:04
